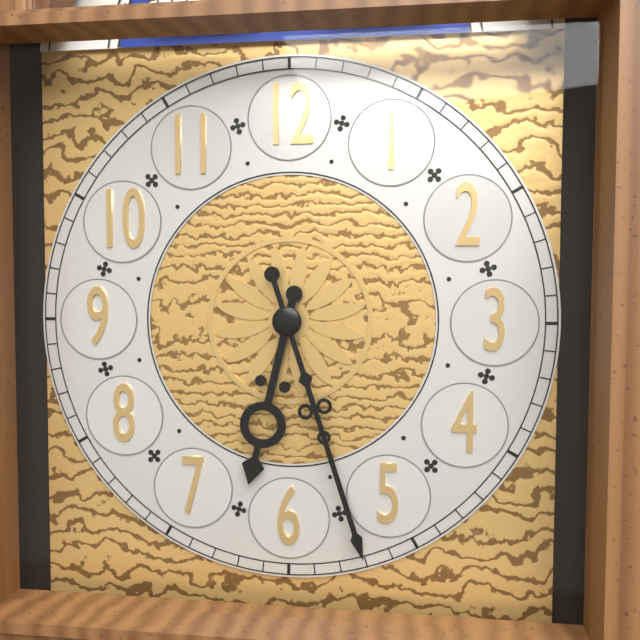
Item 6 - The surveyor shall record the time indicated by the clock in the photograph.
6:27
